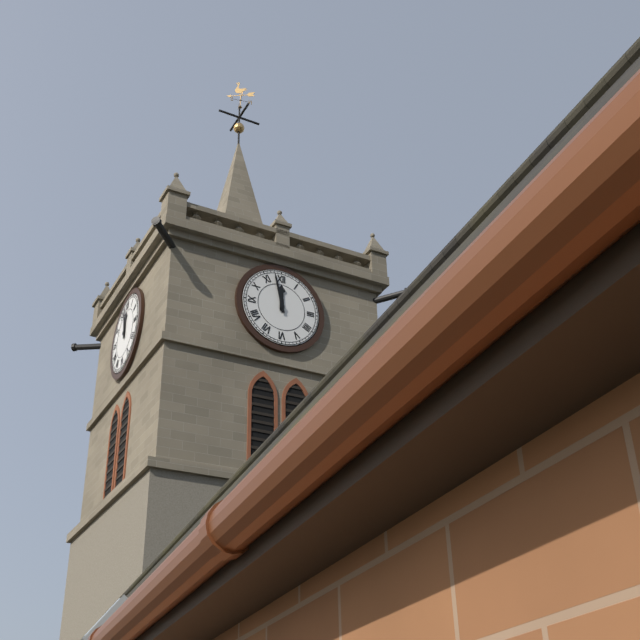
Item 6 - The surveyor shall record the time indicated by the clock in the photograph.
11:58
